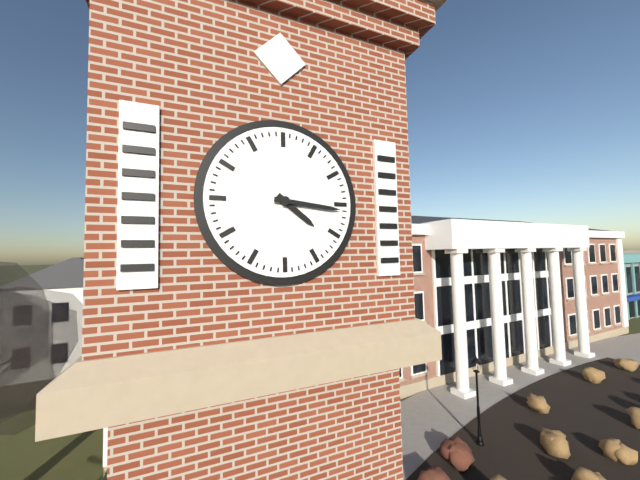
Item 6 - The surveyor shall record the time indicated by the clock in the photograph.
4:16
